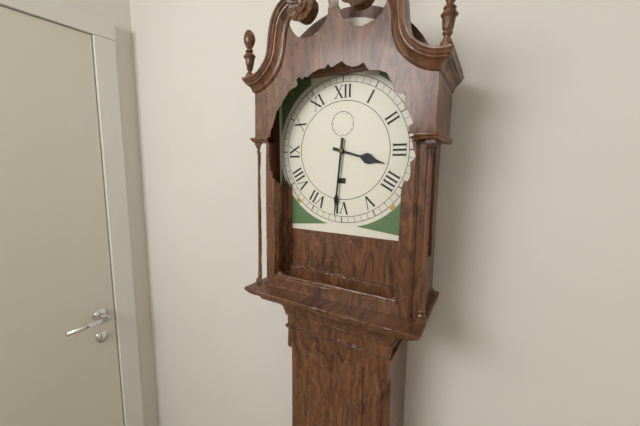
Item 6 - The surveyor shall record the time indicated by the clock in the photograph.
3:31
